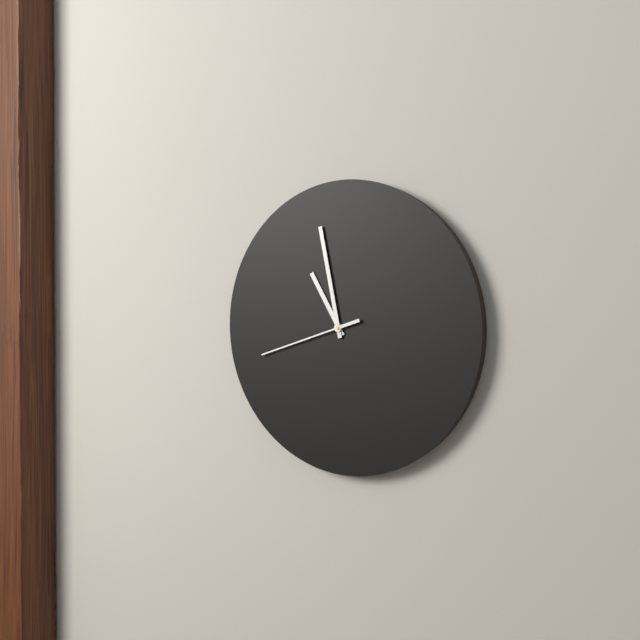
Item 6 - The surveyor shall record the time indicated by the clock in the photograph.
10:58:42
